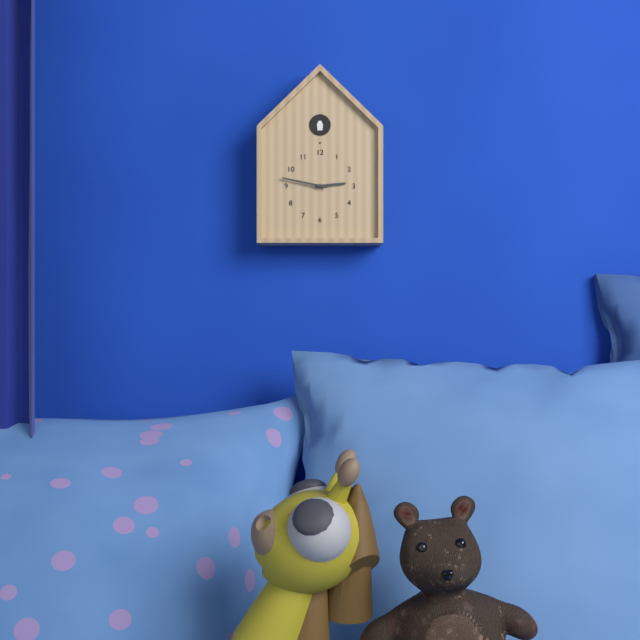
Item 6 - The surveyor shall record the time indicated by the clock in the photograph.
2:47
